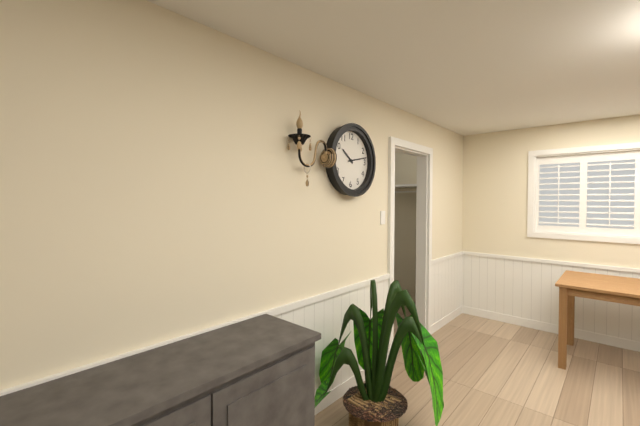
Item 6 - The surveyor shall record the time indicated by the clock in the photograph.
10:13
